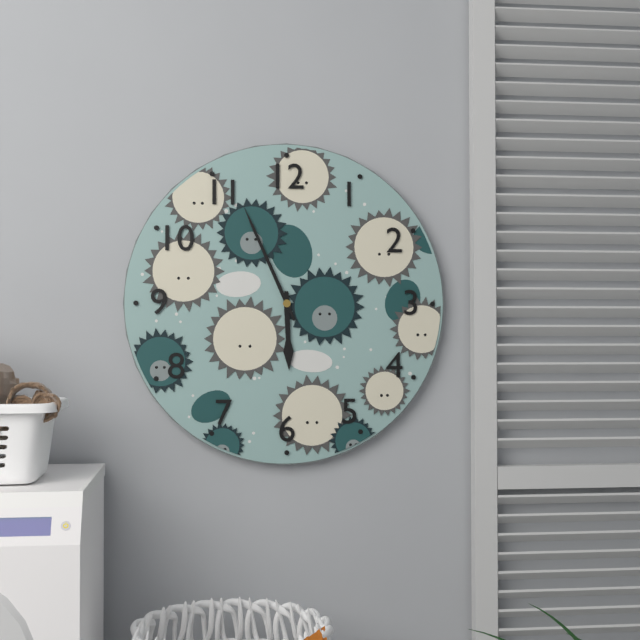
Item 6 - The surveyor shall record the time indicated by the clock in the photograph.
5:56
